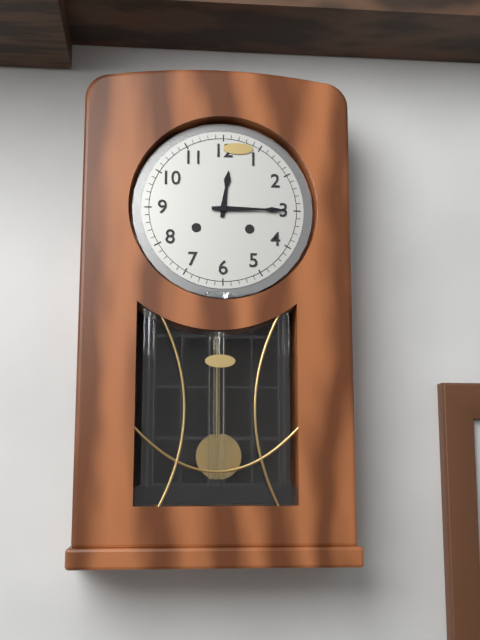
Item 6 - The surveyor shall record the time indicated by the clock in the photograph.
12:15
